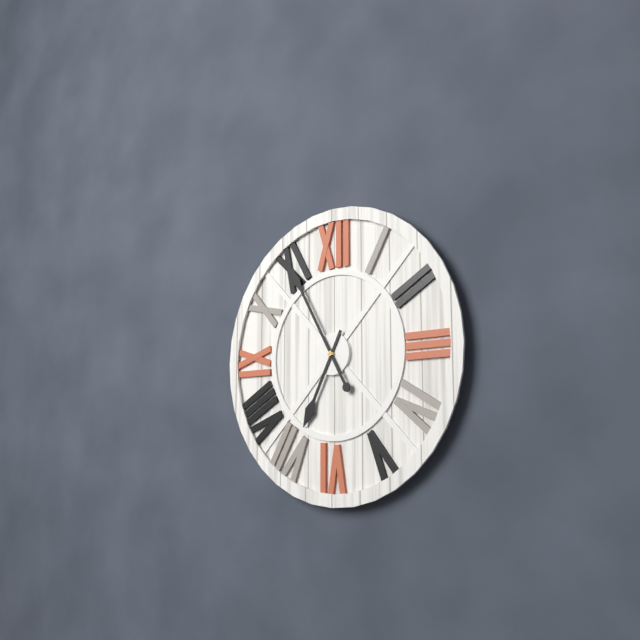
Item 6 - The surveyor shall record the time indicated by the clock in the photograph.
6:55
